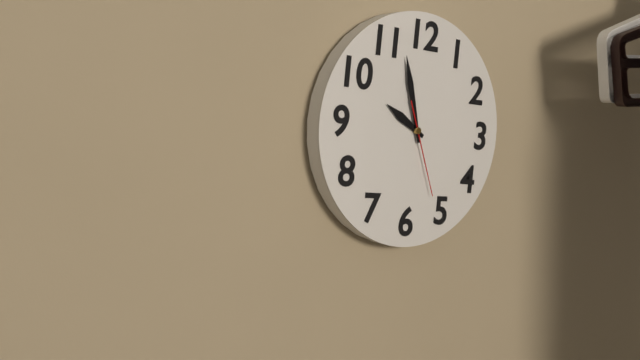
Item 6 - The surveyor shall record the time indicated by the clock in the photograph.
9:57:26
